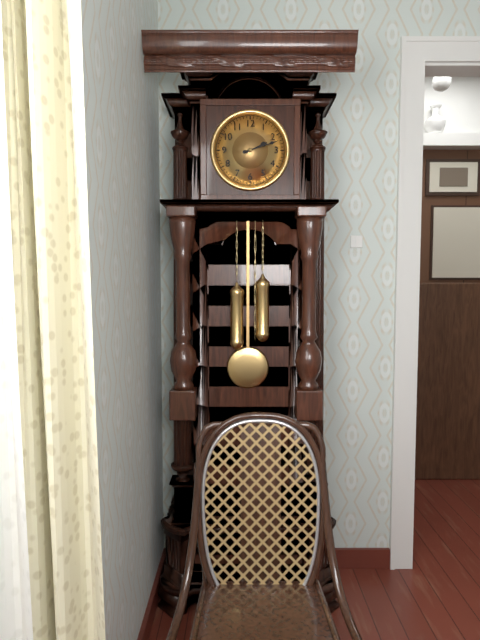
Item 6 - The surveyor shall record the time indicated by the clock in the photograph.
2:12
